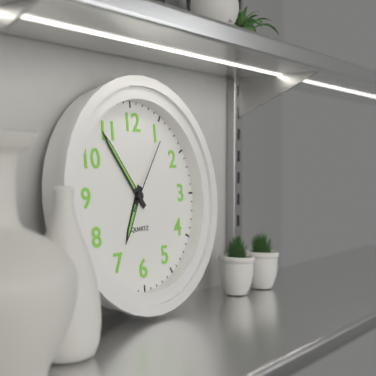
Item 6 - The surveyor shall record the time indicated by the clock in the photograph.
6:54:06
